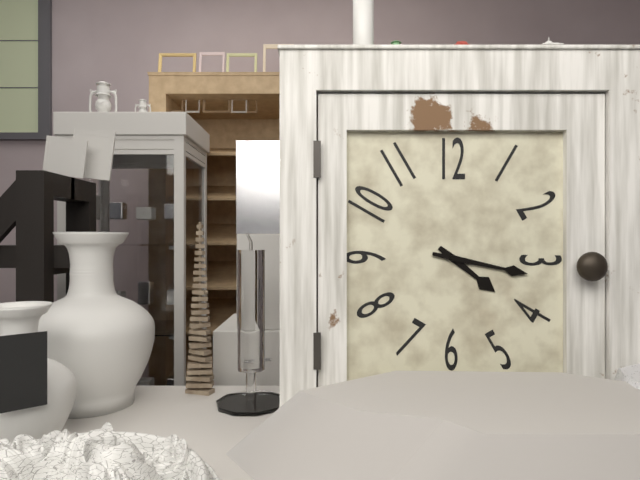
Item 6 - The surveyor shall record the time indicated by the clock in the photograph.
4:17
